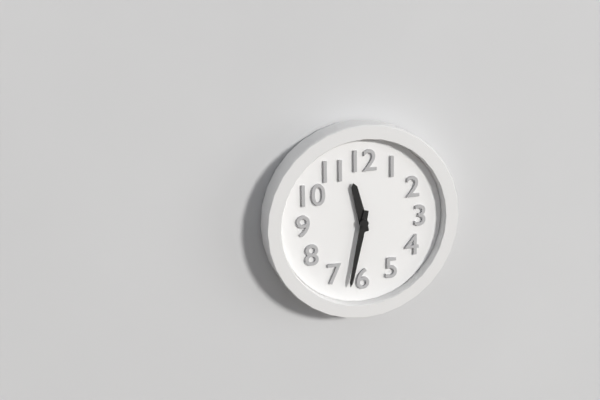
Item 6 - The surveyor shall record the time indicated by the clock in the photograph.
11:32
